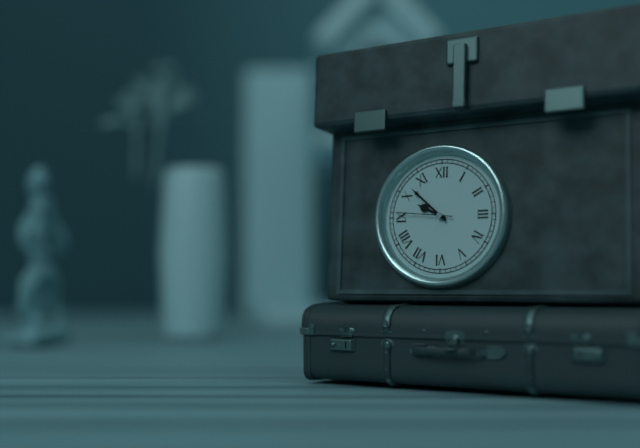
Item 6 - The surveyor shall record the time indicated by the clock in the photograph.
9:52:46
